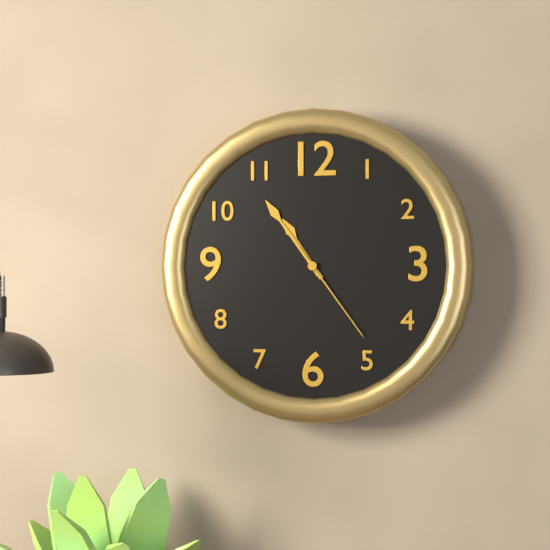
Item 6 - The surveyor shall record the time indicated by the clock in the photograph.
10:54:24
